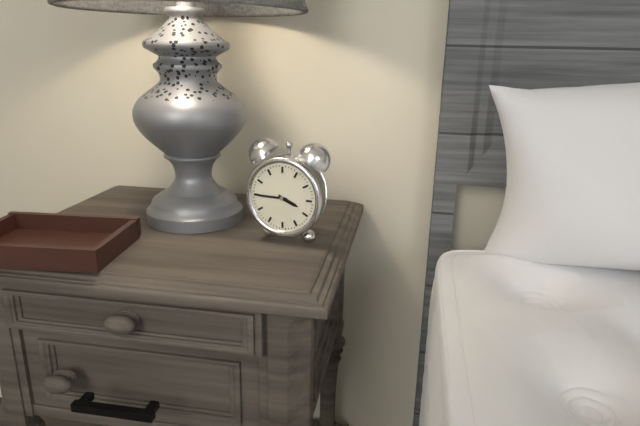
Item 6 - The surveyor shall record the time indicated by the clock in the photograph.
3:45
